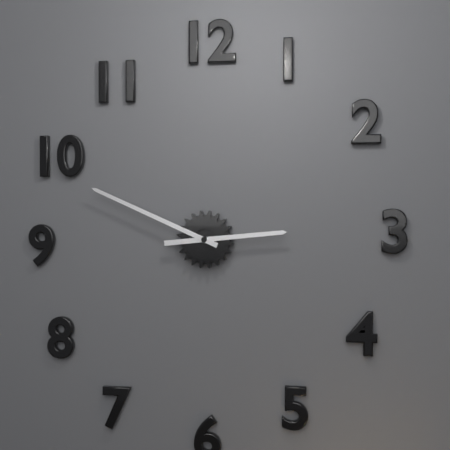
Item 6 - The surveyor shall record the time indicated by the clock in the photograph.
2:49
